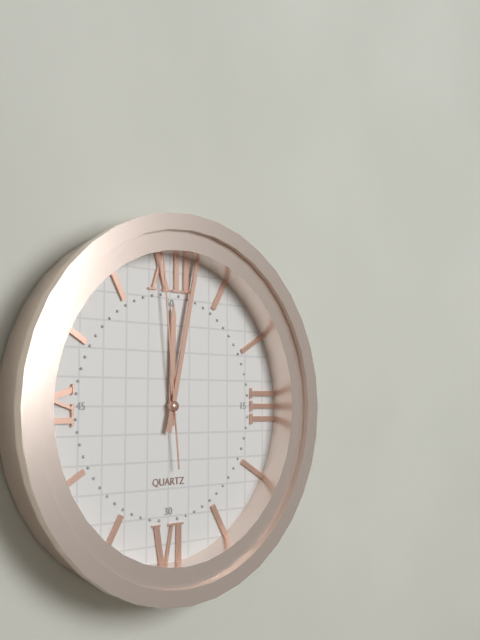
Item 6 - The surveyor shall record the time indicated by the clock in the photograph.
12:02:59
